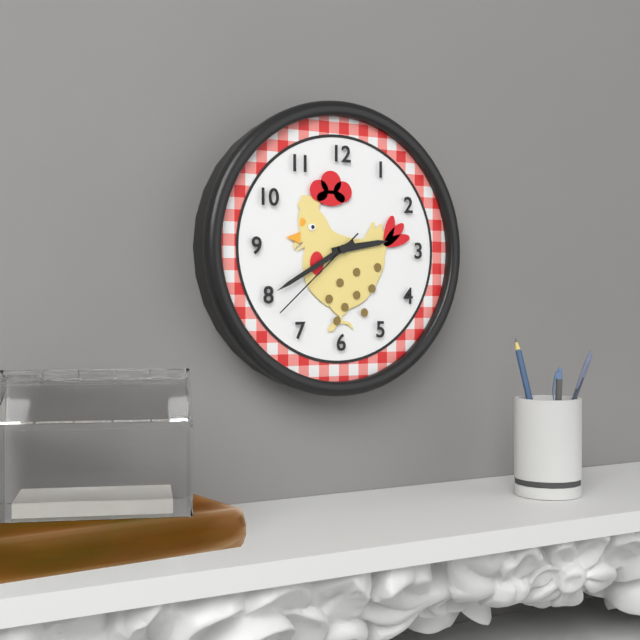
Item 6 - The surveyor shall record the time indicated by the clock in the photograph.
2:40:38
